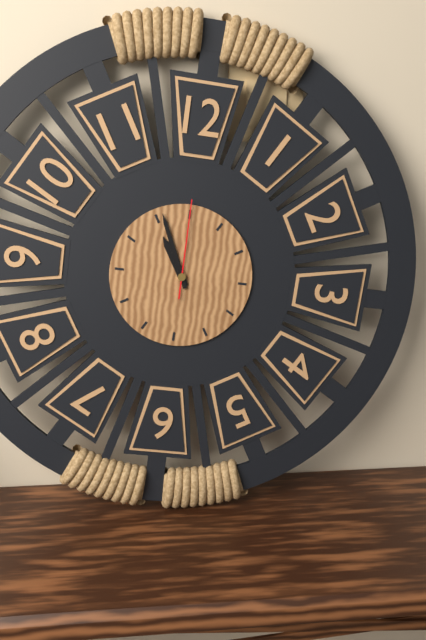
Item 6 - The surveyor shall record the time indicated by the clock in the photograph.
10:56:00
